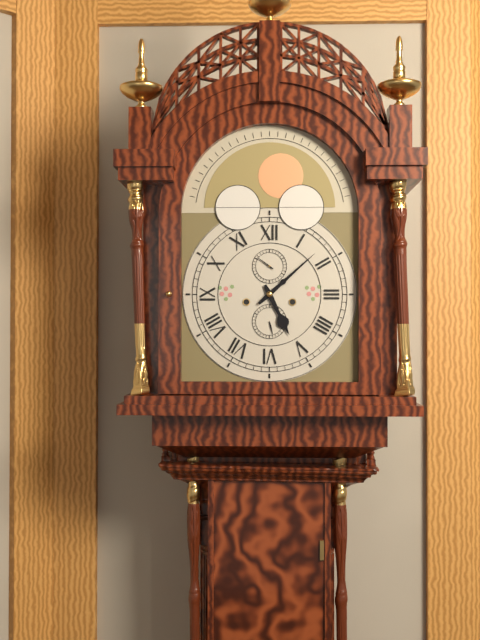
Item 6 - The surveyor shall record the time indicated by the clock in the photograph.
5:08
